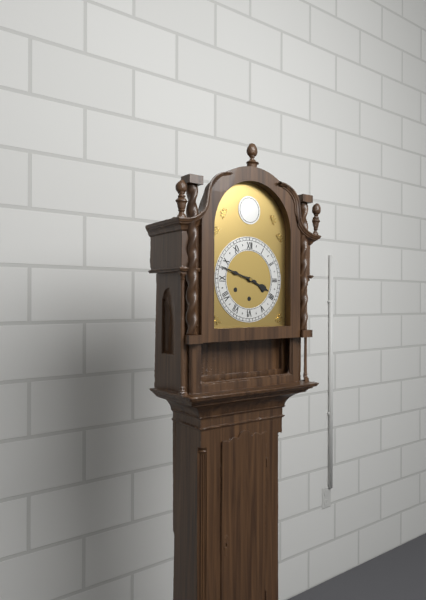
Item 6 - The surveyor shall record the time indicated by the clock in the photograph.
3:48
